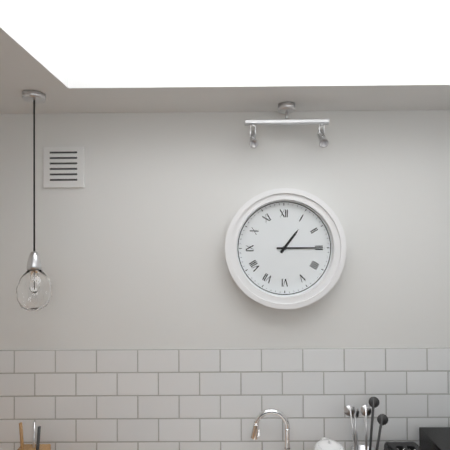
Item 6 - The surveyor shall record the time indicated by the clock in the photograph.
1:15
